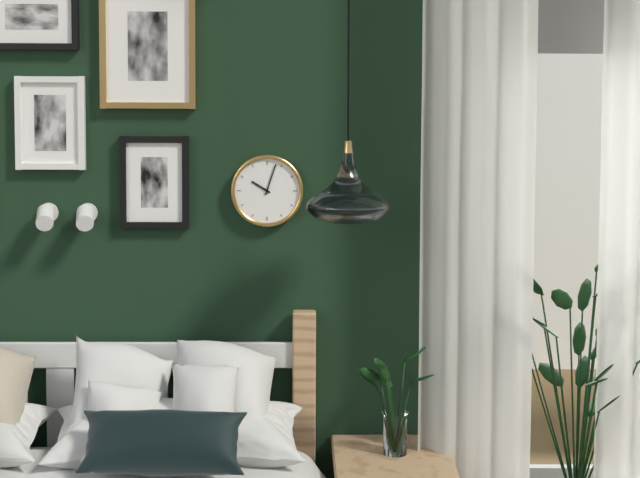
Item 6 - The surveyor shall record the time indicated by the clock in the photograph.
10:03
